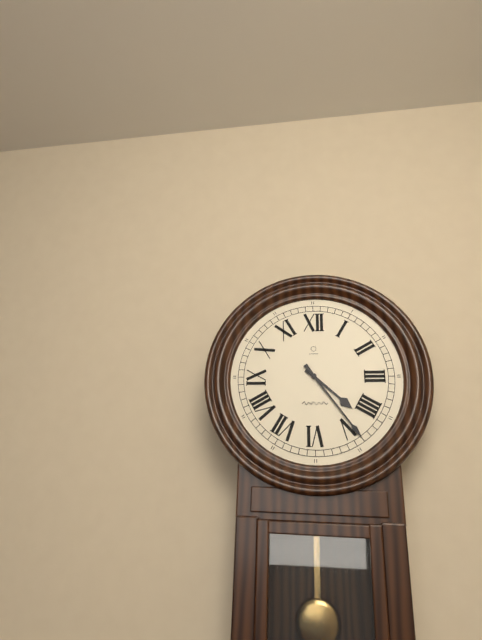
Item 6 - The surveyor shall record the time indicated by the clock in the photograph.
4:24
